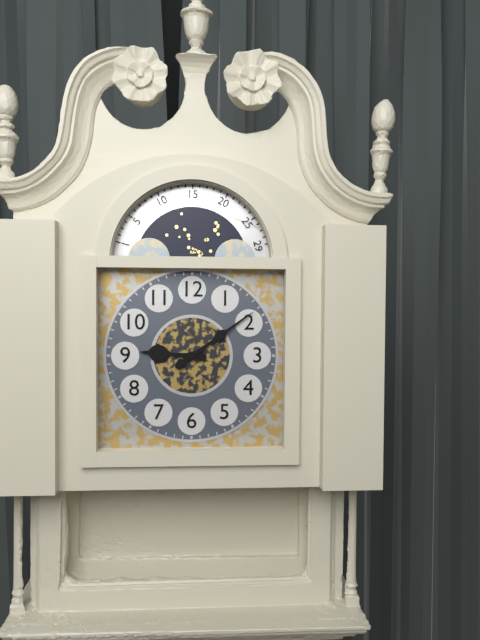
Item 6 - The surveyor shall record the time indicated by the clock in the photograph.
9:09
